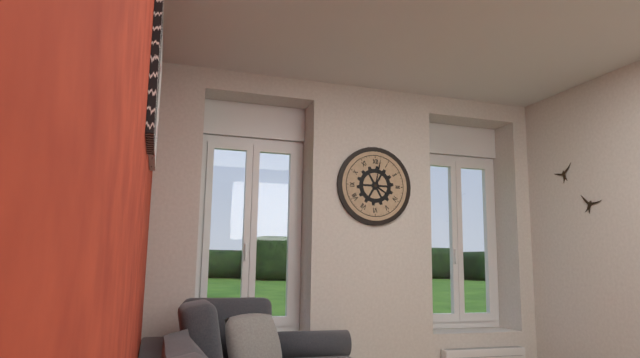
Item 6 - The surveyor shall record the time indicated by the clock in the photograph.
4:02
